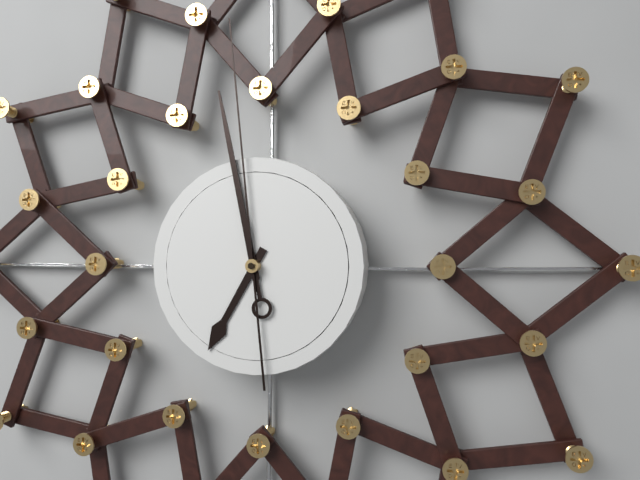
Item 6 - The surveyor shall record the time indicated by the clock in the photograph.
6:58:59
